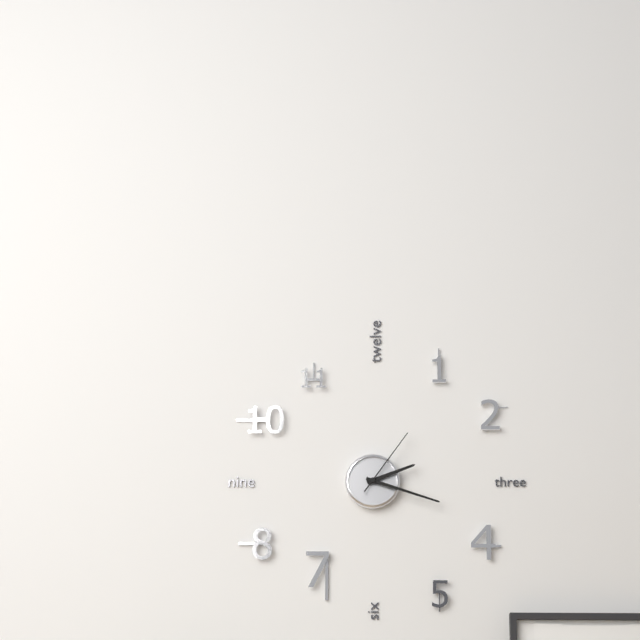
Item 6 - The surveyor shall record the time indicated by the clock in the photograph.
2:18:06
